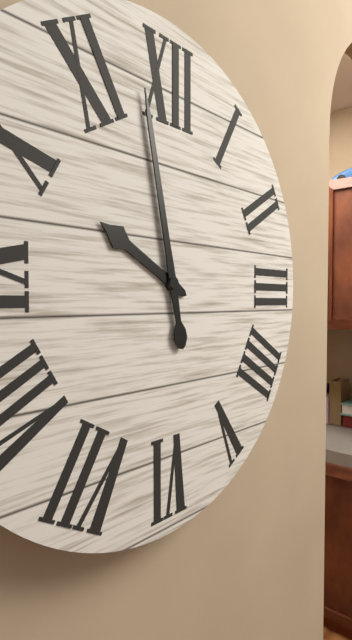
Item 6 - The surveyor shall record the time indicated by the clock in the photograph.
9:58
